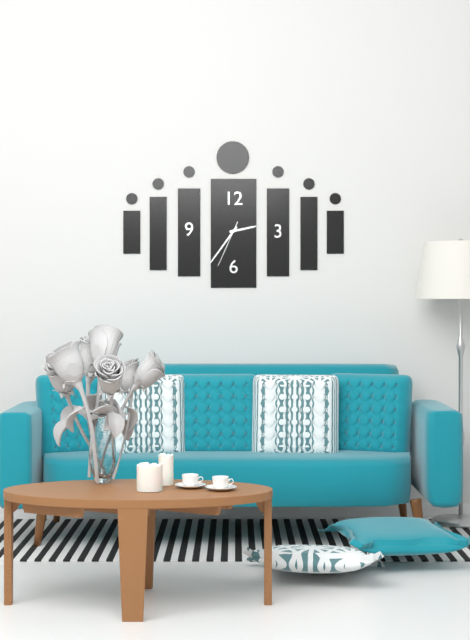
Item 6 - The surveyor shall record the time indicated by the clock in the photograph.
2:36
